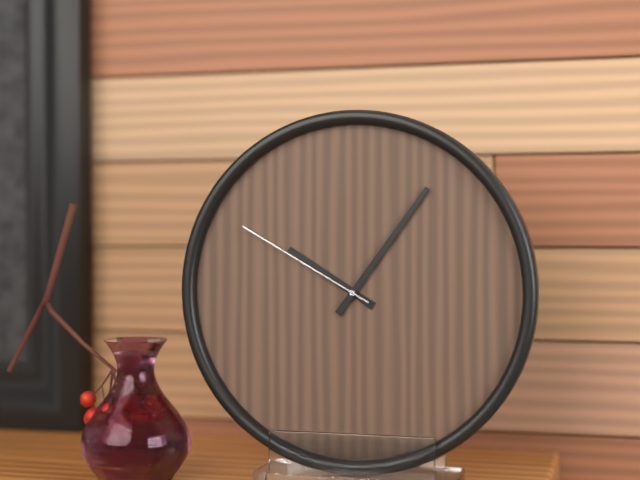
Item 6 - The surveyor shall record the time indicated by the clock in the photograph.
10:06:50
